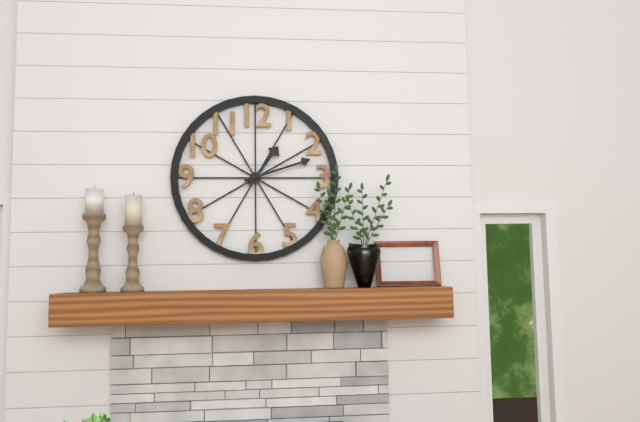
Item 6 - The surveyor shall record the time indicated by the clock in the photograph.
1:12
